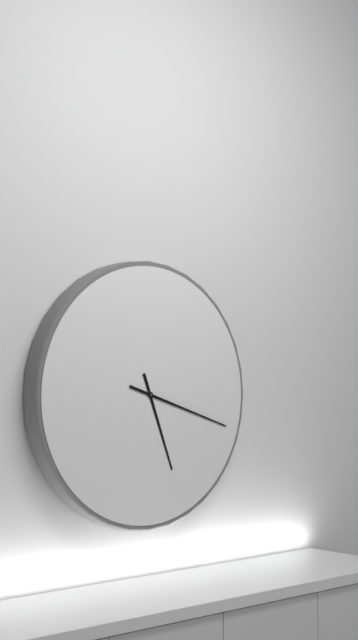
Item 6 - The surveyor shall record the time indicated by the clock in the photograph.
5:18
